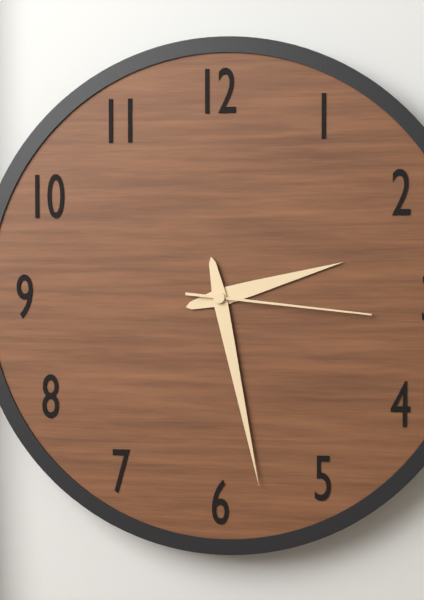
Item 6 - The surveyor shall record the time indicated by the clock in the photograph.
2:28:16
